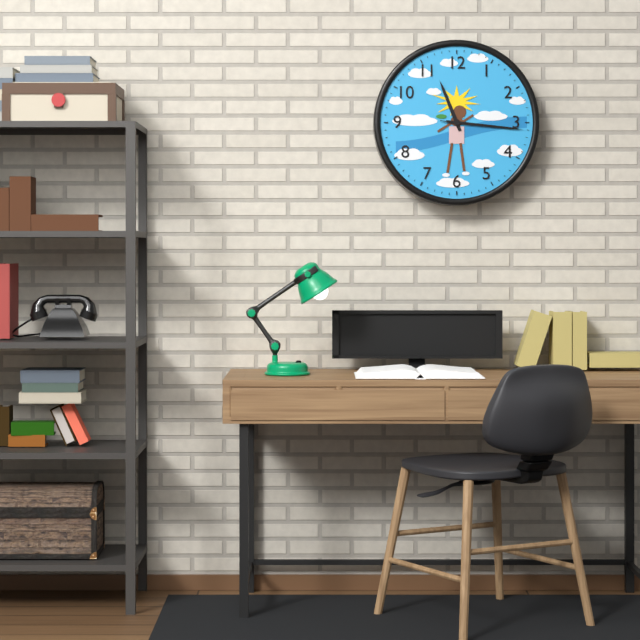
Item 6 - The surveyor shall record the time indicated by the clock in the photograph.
11:16:16
